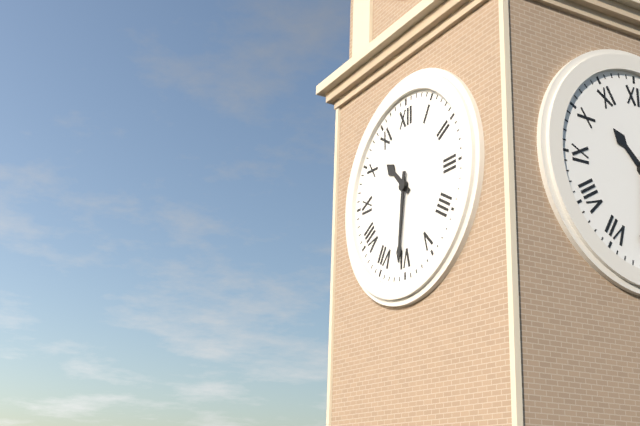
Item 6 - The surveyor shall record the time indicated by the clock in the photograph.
10:31
